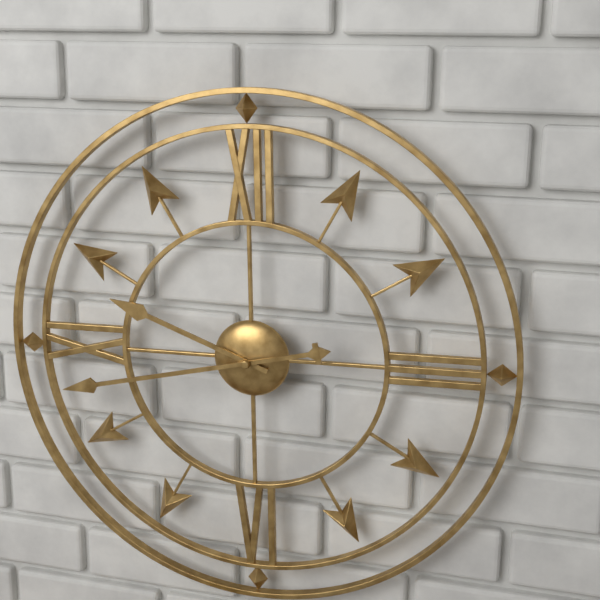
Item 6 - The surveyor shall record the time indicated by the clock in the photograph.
9:43
